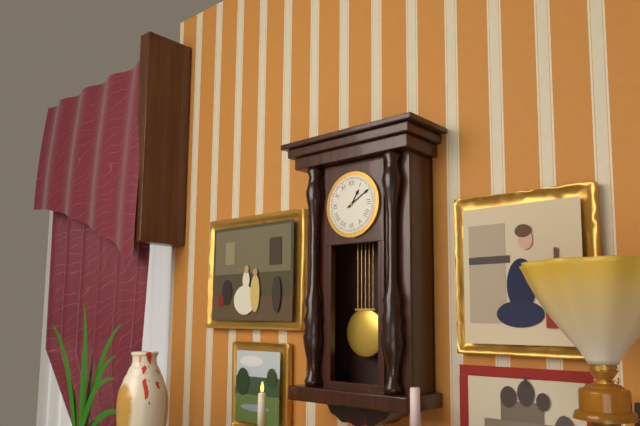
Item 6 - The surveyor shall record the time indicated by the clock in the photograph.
1:10
